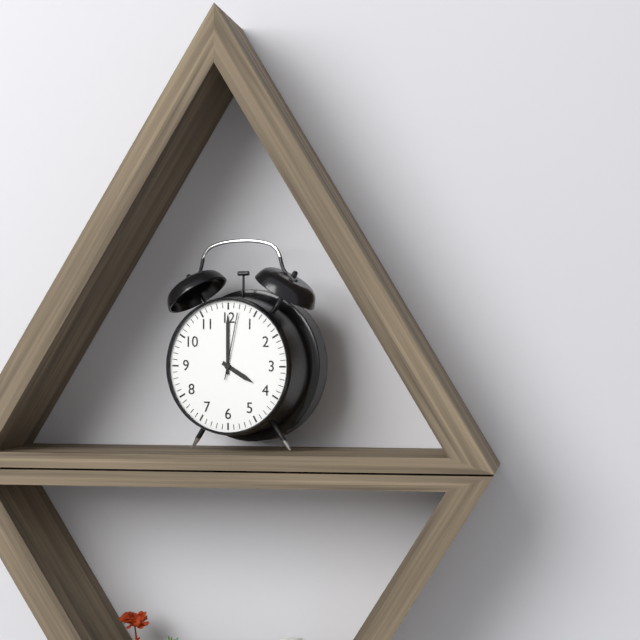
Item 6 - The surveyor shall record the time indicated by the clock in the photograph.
4:00:02
